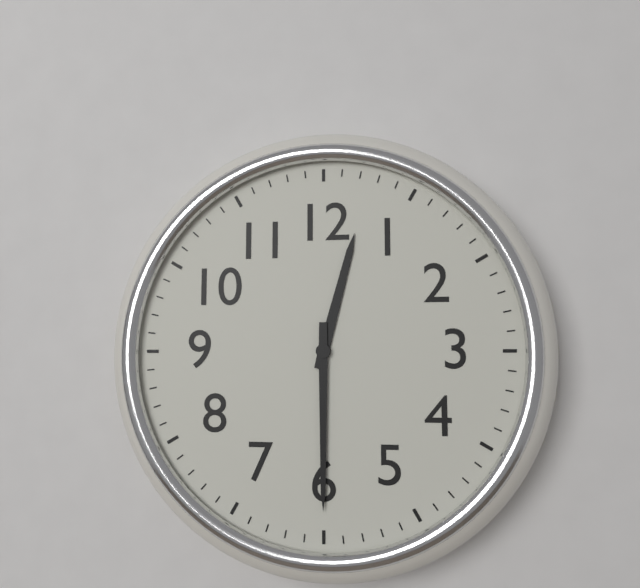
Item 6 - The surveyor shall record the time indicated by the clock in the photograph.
12:30
